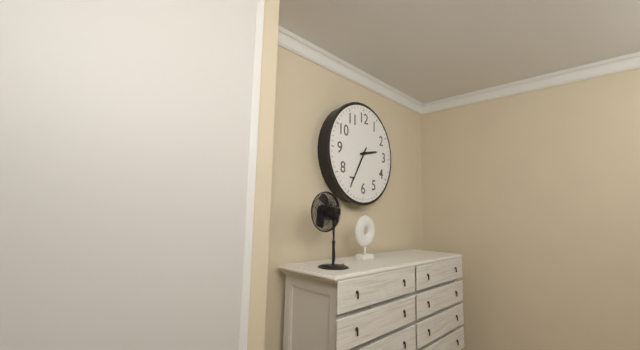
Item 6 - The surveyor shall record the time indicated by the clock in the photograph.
2:35
